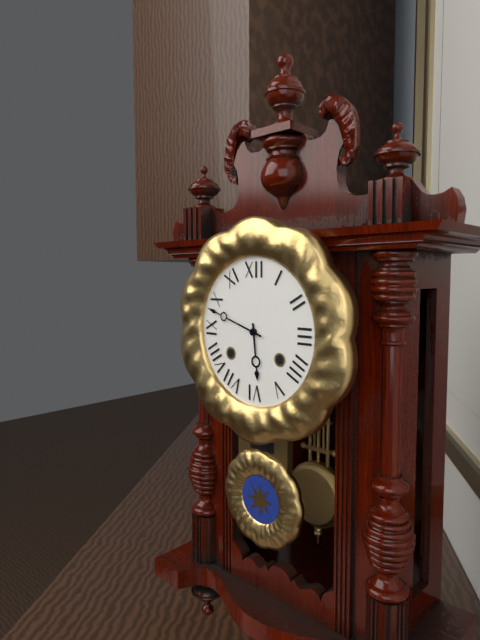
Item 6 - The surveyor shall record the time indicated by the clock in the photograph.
5:48
